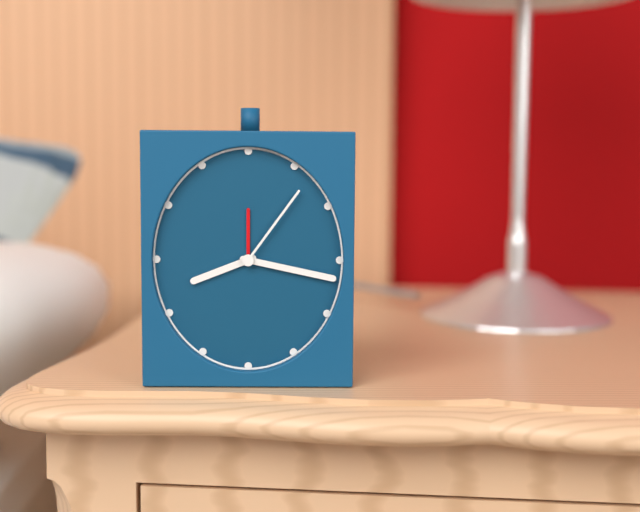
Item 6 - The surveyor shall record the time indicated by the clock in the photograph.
8:17:06
